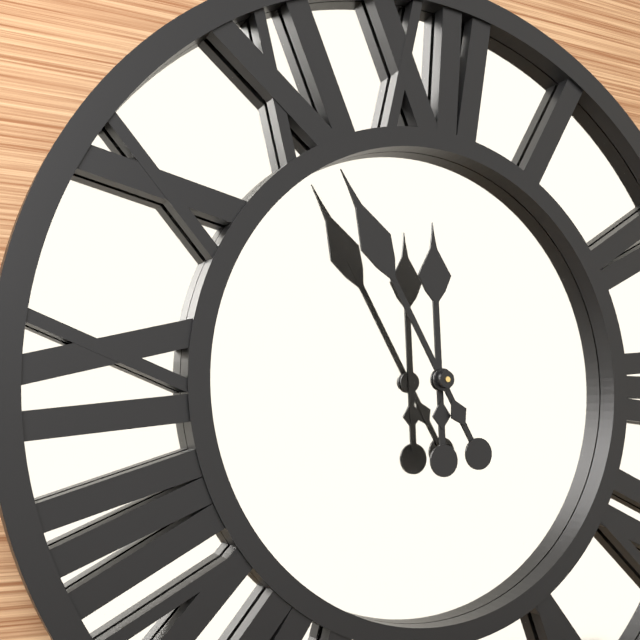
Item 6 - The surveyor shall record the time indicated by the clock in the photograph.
11:55
